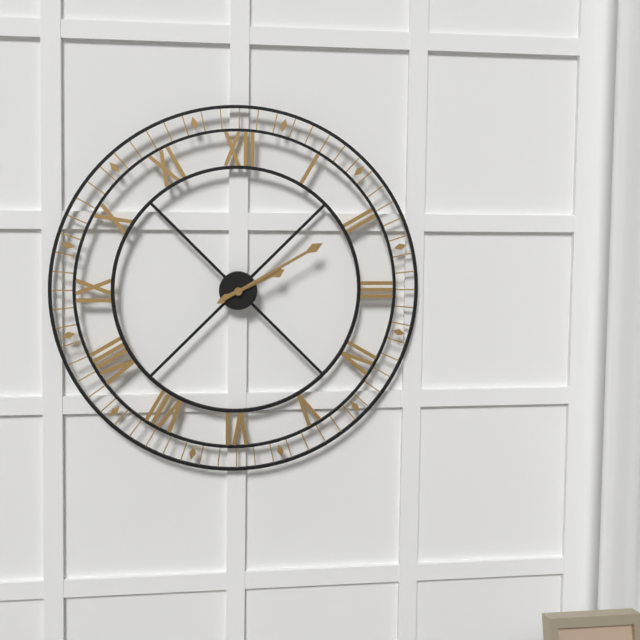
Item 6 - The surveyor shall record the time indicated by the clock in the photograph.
2:10
